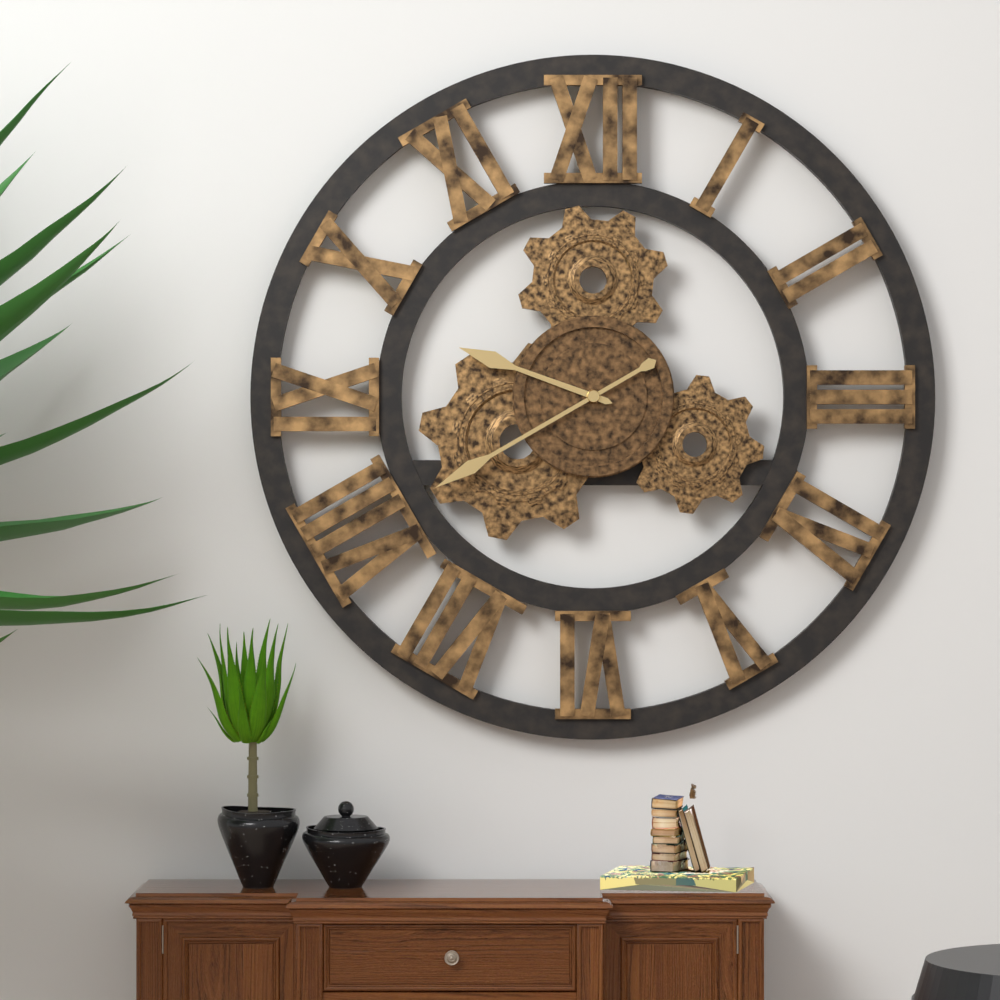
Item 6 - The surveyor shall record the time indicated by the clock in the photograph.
9:40
